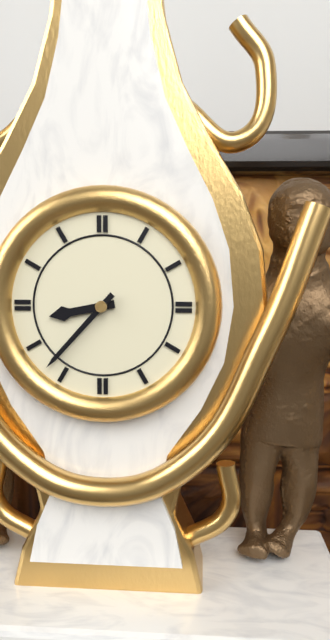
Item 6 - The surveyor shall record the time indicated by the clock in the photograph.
8:37
